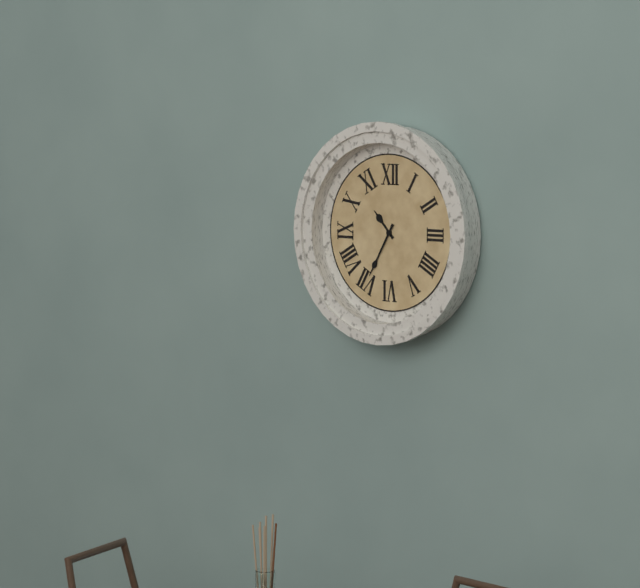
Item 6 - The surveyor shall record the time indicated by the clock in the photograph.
10:35
